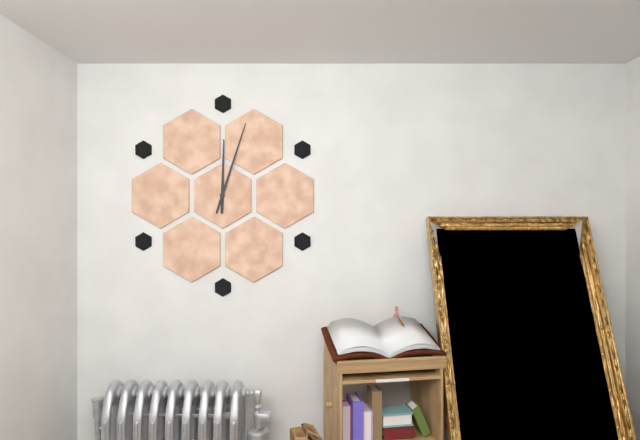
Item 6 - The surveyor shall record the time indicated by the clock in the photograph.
12:03
